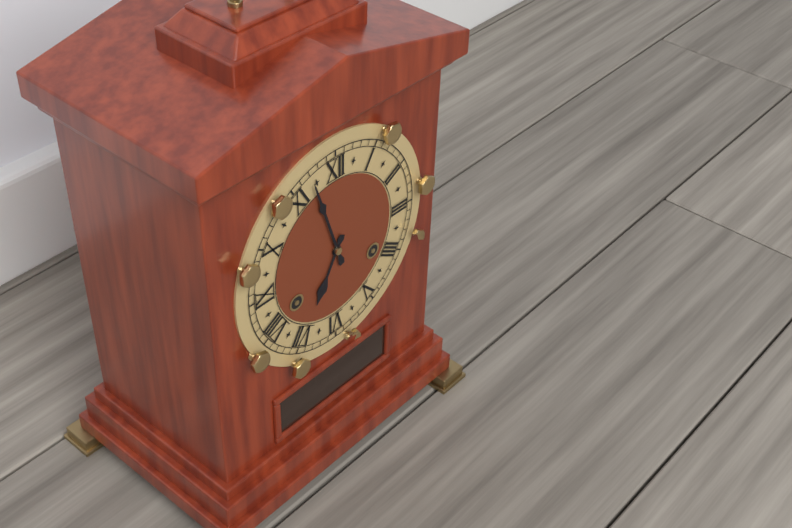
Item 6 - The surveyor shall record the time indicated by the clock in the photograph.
6:57
